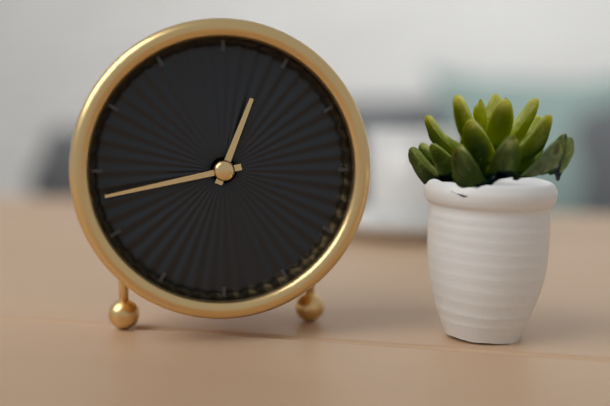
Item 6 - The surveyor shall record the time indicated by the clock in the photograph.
12:43
